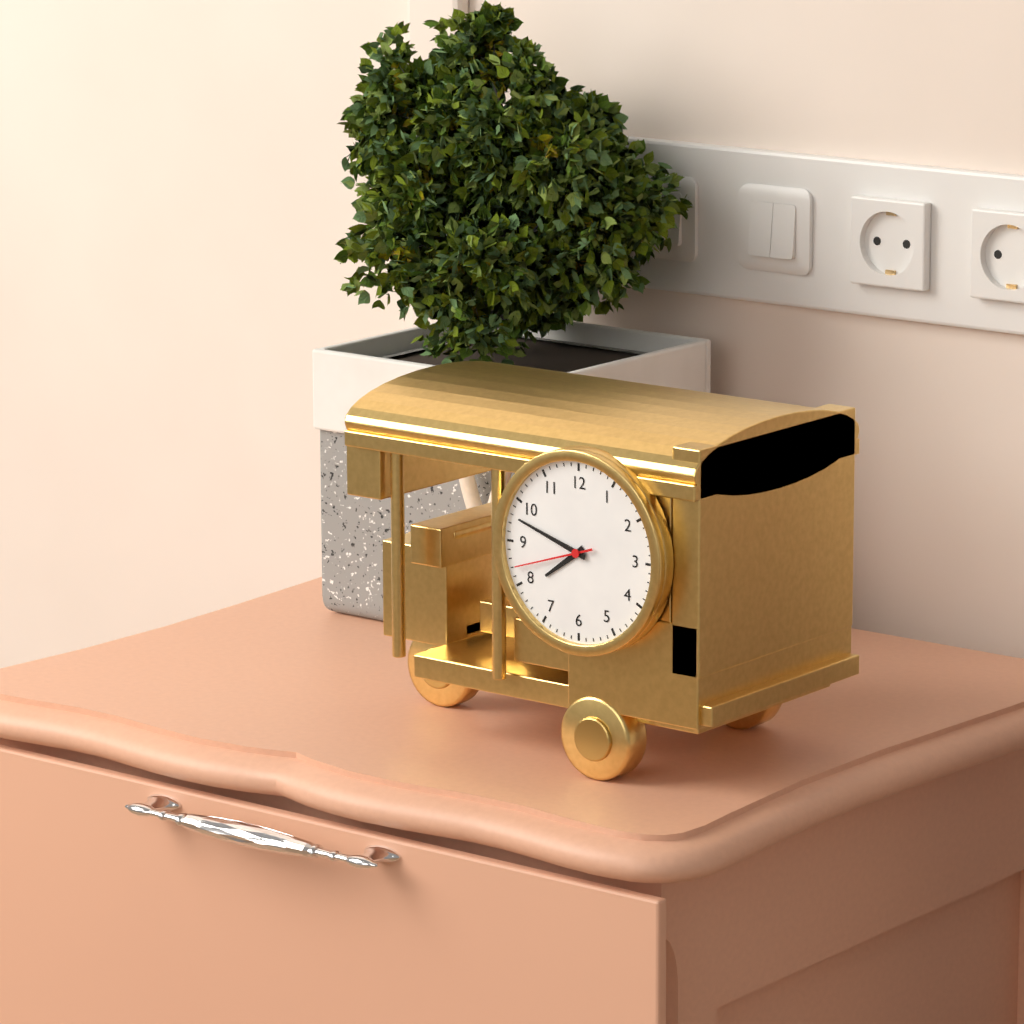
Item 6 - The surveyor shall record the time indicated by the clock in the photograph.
7:48:42
